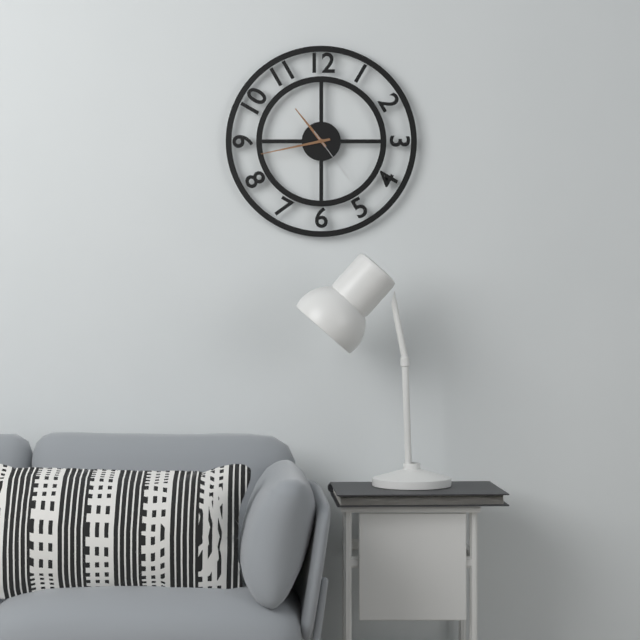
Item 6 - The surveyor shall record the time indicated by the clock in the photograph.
10:43:24
